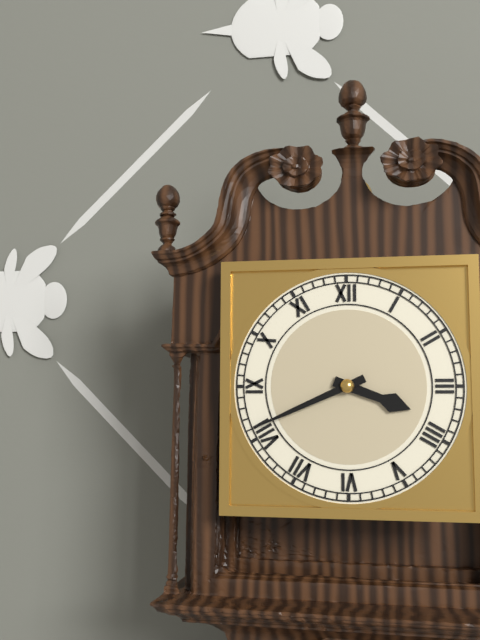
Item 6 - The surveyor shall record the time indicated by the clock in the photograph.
3:41
